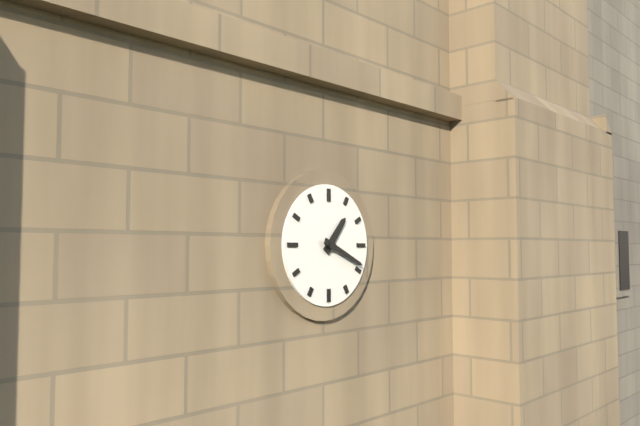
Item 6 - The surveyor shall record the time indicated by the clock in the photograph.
1:19
